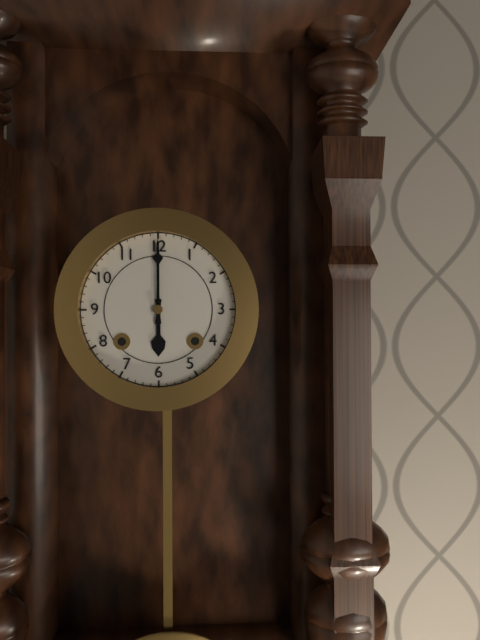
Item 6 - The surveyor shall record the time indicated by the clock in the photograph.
6:00
